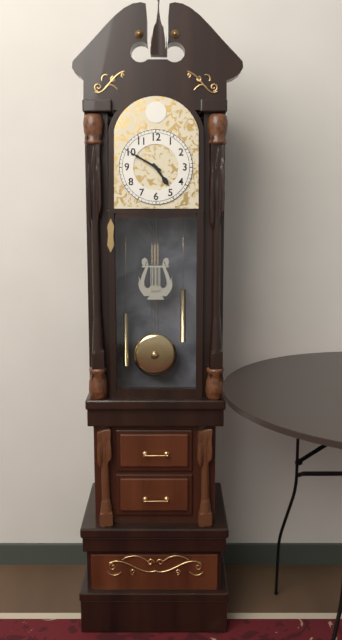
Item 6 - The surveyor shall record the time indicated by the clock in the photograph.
4:50
